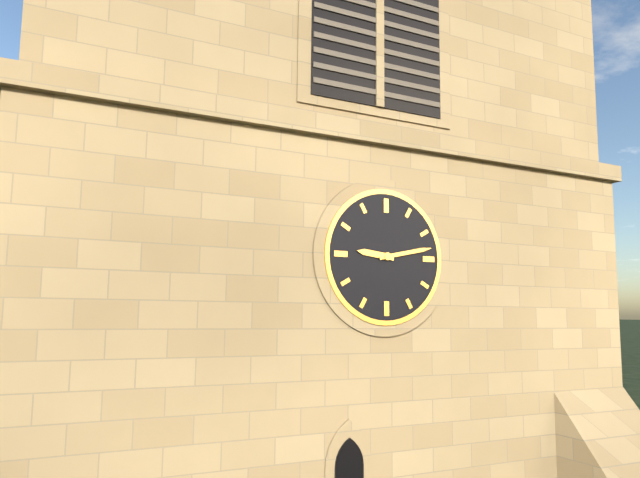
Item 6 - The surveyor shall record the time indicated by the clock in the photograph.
9:13
